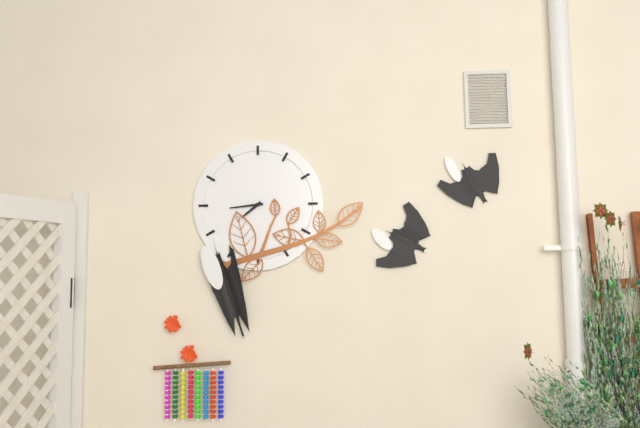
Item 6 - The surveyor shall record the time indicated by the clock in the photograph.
7:44
